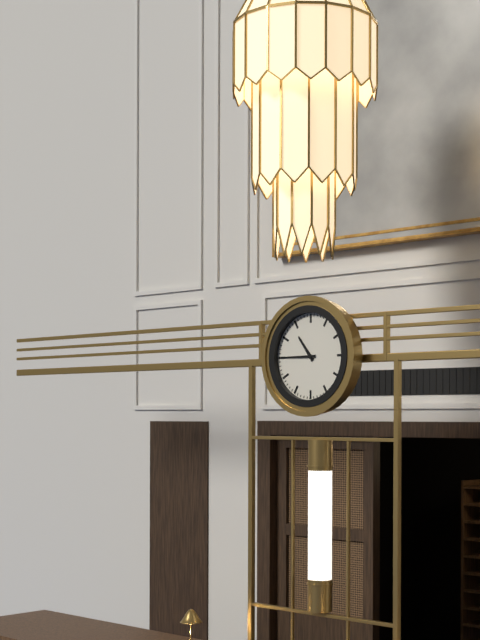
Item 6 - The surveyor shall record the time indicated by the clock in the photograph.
10:45
